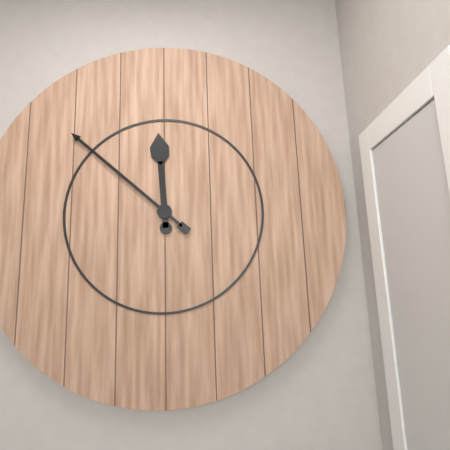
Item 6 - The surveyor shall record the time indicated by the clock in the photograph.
11:52
